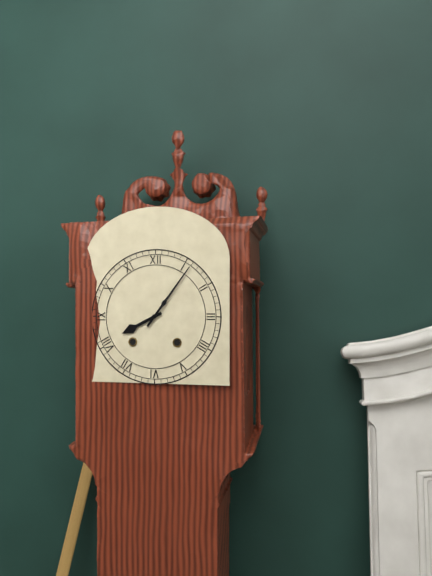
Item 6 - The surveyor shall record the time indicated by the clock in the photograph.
8:06
